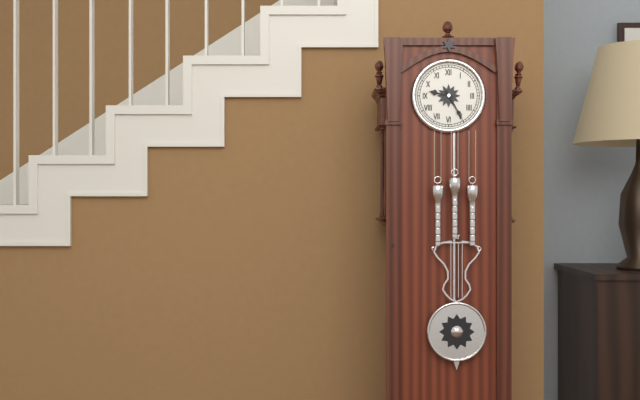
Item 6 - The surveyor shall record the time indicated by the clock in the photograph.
9:25
